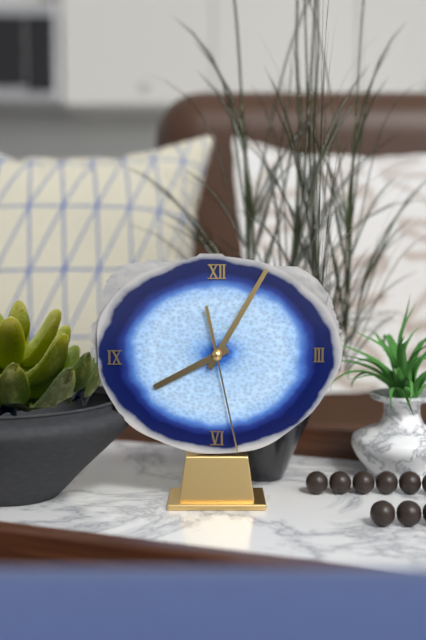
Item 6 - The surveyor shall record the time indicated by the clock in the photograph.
8:05:28
